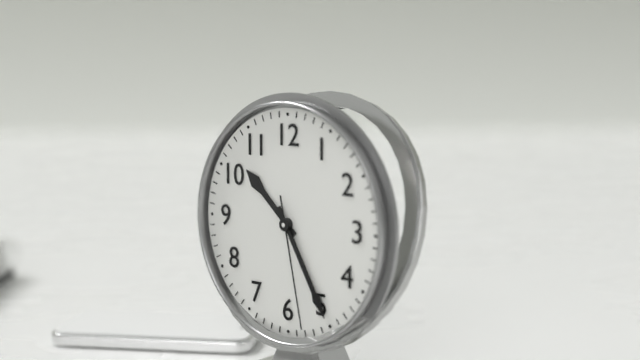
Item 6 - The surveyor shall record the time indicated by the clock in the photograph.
10:25:28
